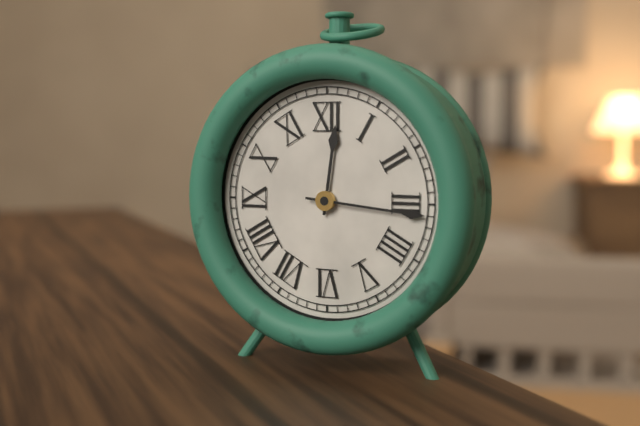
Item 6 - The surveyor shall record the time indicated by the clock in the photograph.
12:16
